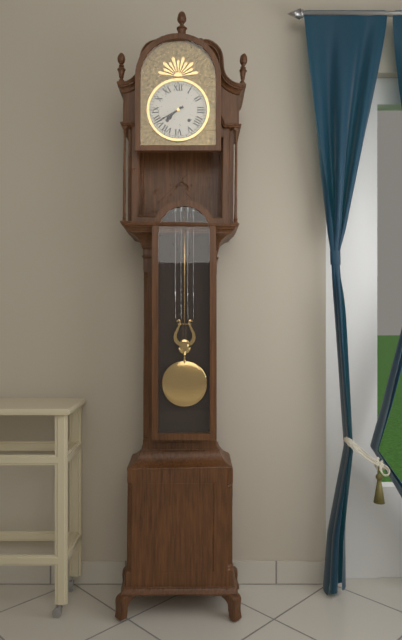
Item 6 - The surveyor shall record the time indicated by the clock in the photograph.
7:40
